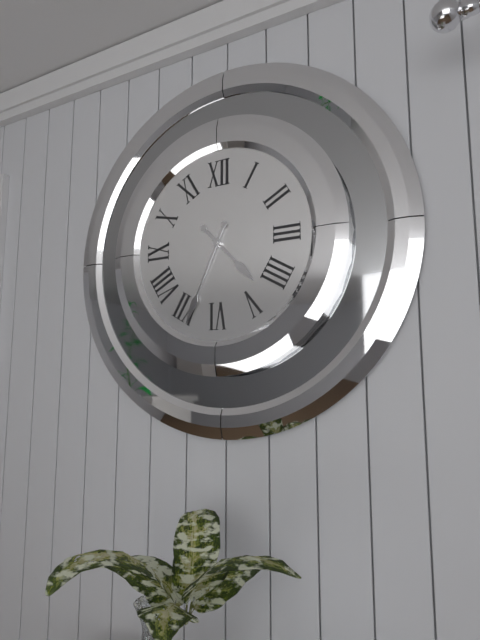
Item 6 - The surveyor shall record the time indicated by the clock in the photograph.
4:34
